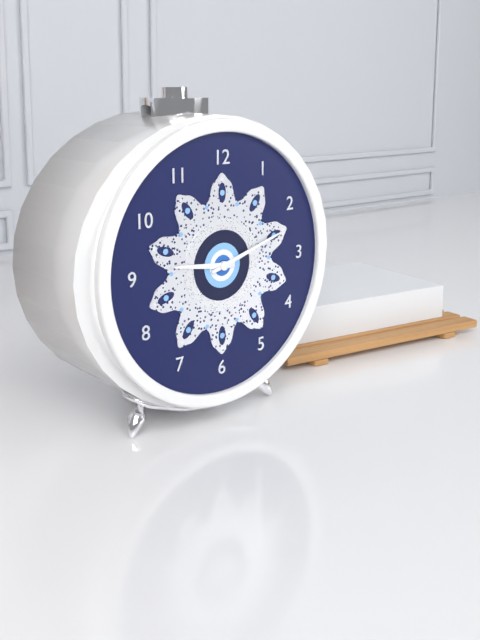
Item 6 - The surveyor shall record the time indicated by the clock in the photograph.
9:12
